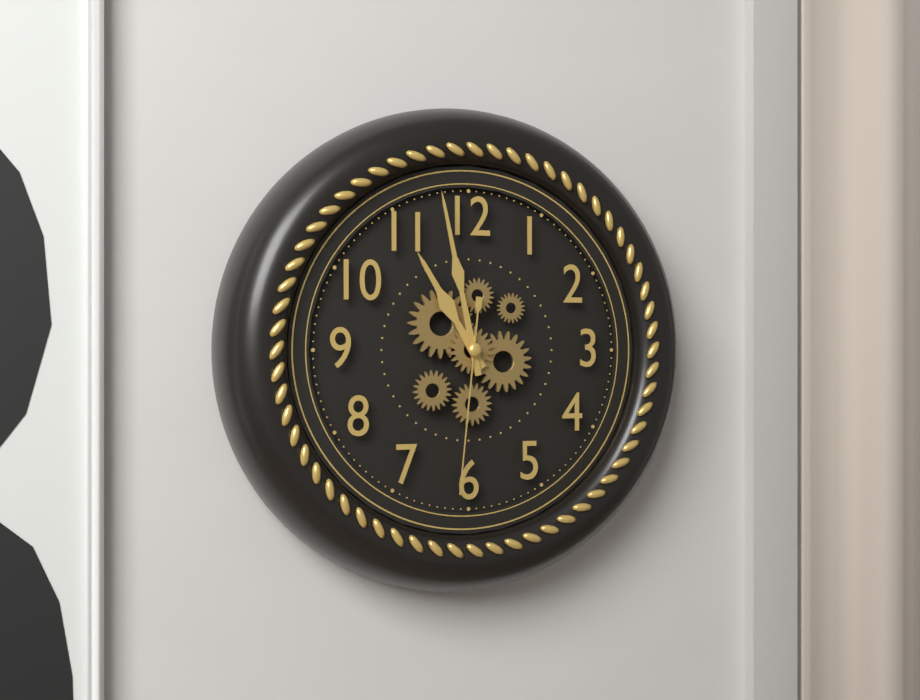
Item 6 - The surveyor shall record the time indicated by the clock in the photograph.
10:58:31
